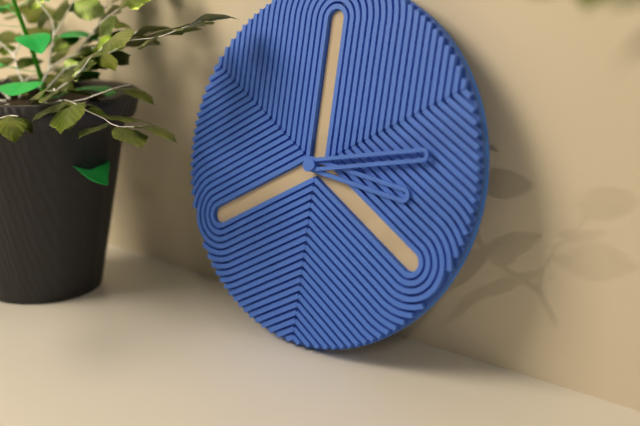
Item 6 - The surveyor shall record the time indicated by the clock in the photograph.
3:13
